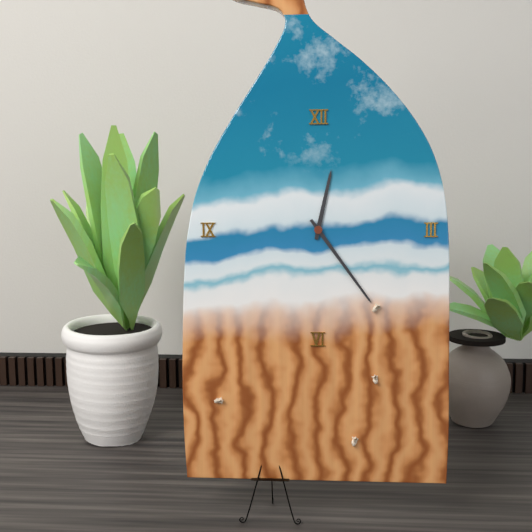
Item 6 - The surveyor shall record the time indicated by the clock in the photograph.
12:24
